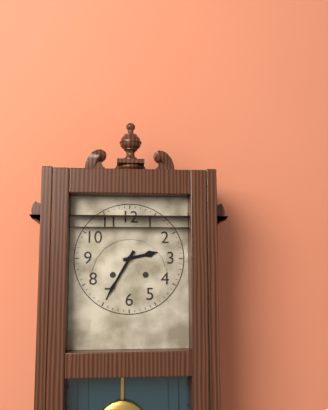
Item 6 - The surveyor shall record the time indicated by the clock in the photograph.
2:35
